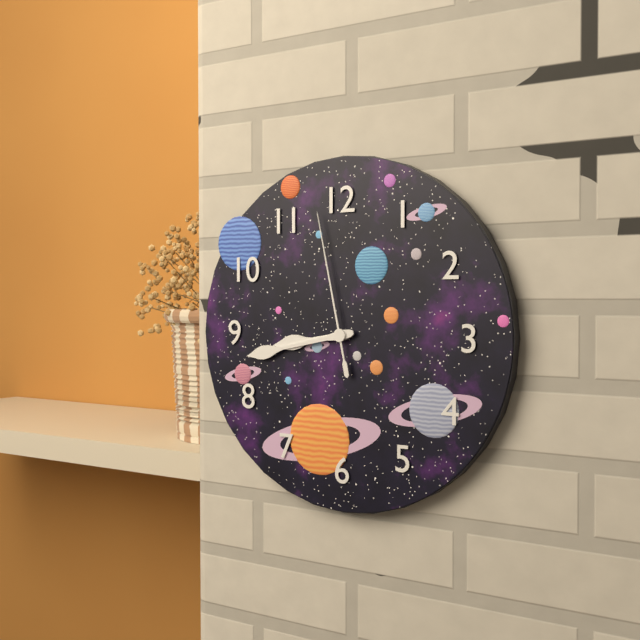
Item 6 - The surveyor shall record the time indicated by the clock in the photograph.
8:43:58
